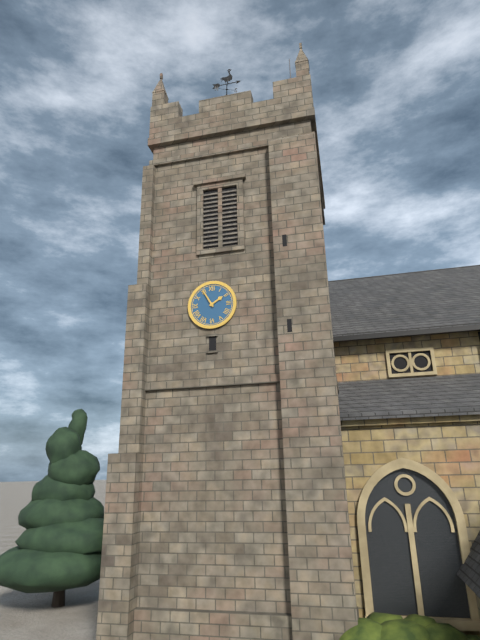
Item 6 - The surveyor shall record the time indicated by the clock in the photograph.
1:55
